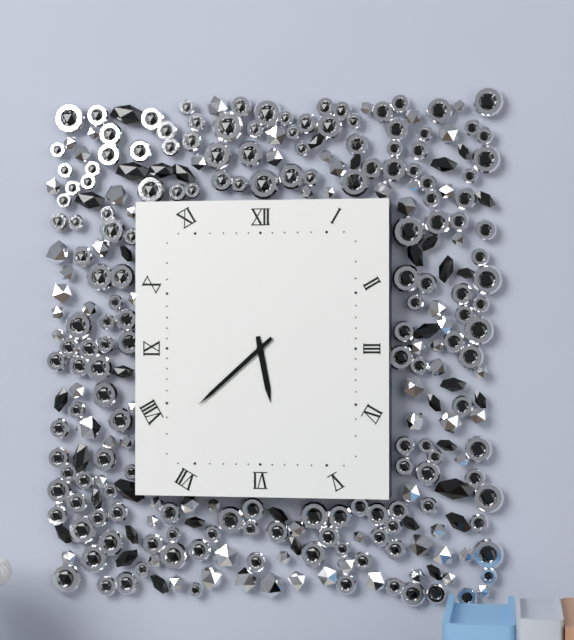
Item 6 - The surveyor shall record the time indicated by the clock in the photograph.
5:38
